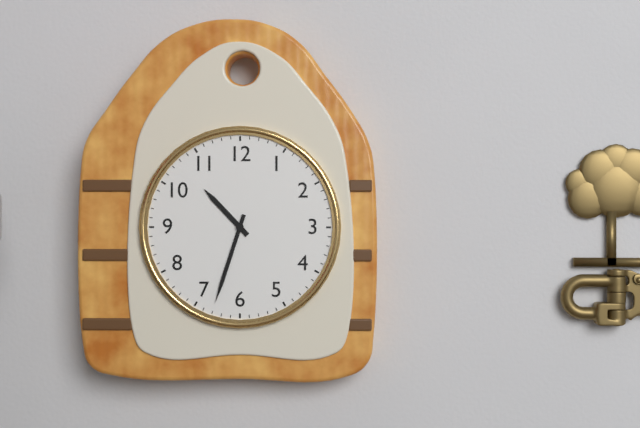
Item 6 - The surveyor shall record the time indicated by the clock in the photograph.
10:33
